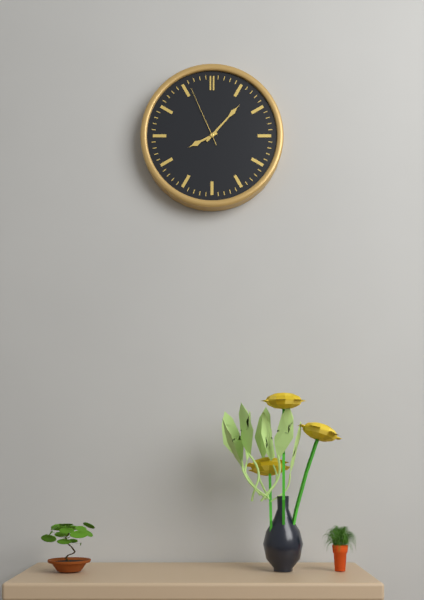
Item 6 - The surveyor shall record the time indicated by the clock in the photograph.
8:07:56
